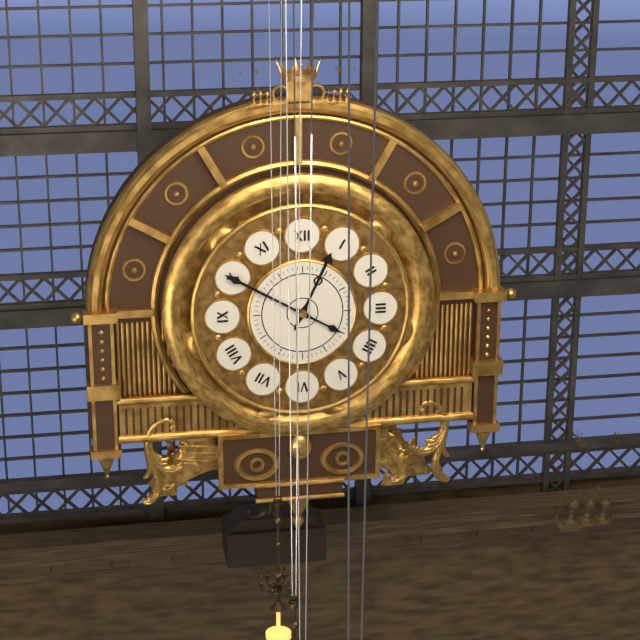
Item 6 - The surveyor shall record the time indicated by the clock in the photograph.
12:50
